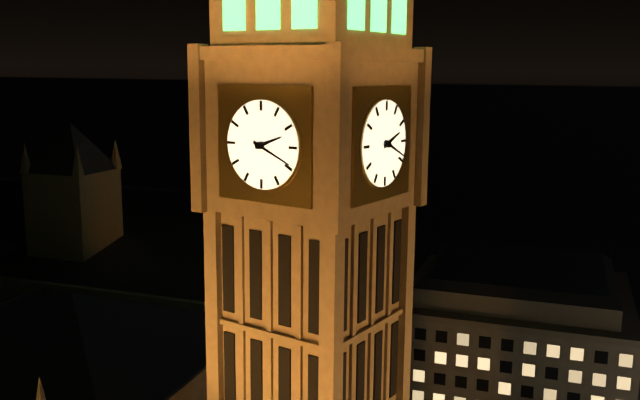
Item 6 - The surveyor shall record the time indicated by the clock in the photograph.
2:19
